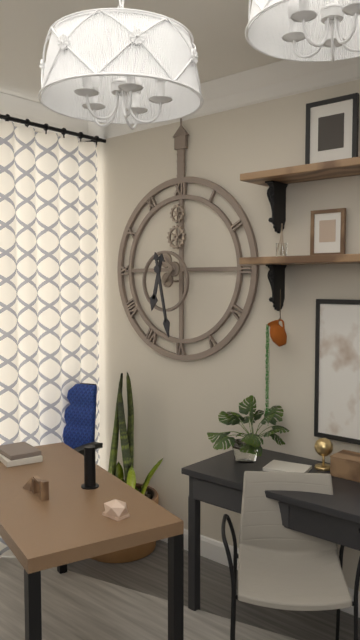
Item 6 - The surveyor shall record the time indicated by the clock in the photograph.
6:28
